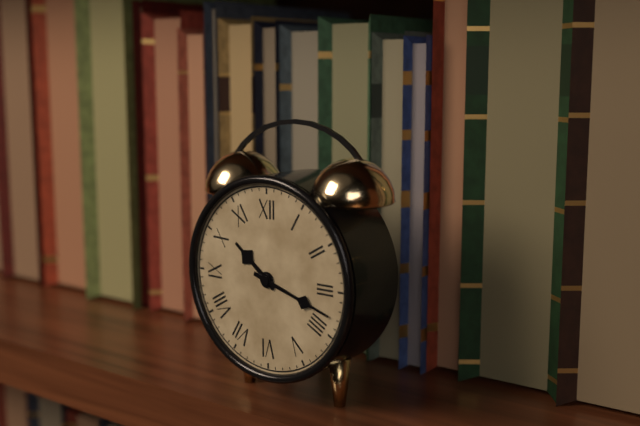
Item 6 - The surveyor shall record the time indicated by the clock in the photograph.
10:18
